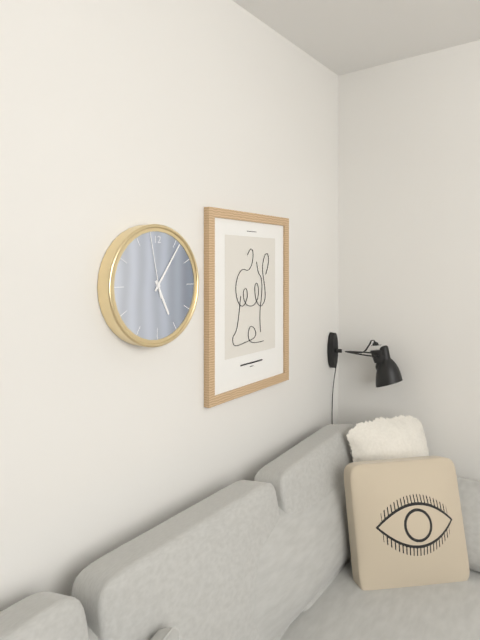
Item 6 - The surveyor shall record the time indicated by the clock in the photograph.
5:06:58
